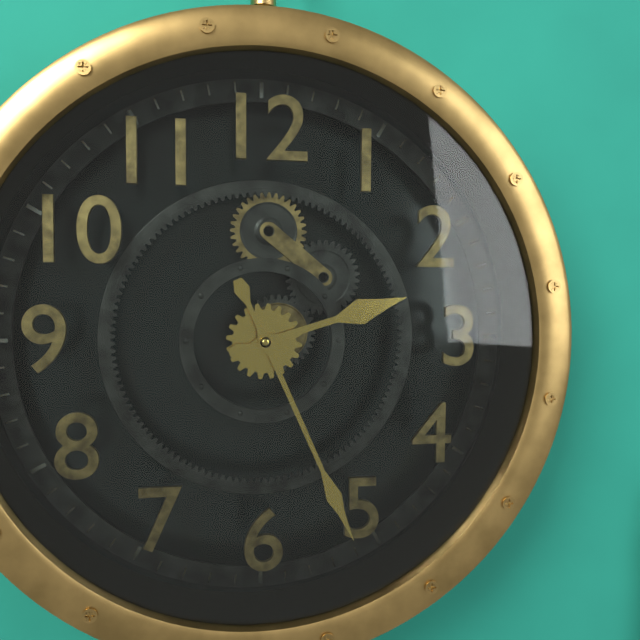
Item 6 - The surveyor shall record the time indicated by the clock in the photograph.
2:26
